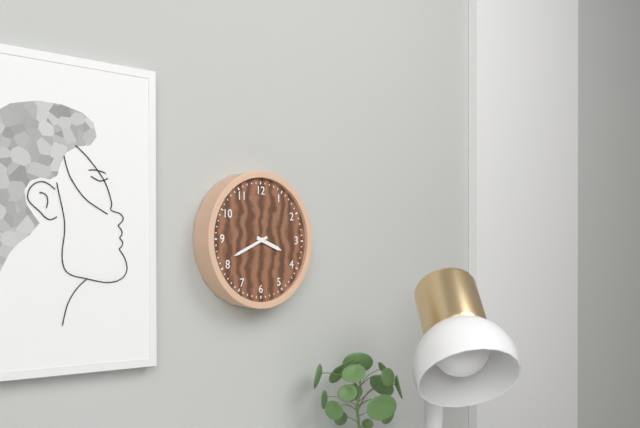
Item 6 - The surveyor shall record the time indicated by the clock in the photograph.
3:41
